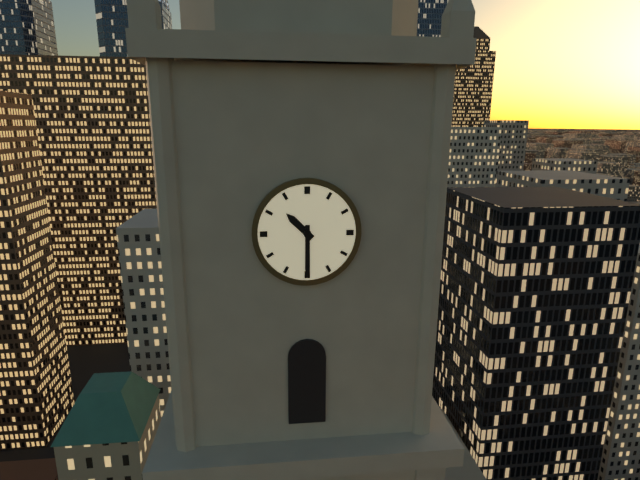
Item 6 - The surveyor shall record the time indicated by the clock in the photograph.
10:30
